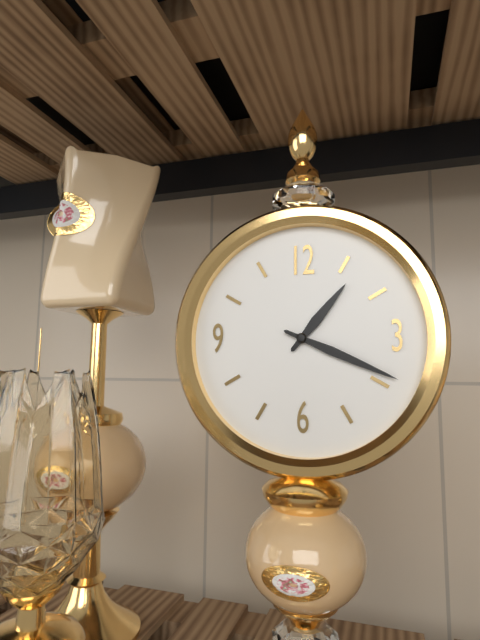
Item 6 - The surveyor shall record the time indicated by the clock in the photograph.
1:19
